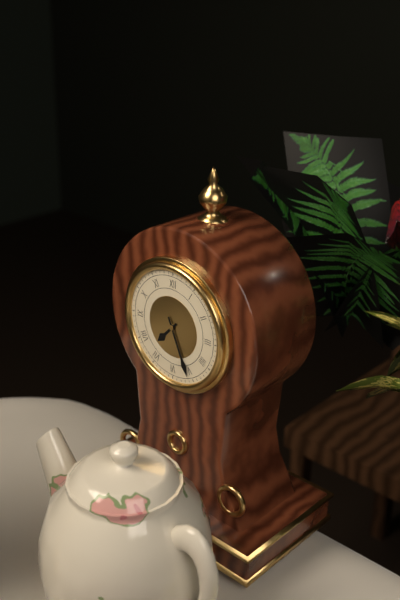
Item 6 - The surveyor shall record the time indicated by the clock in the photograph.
7:26
